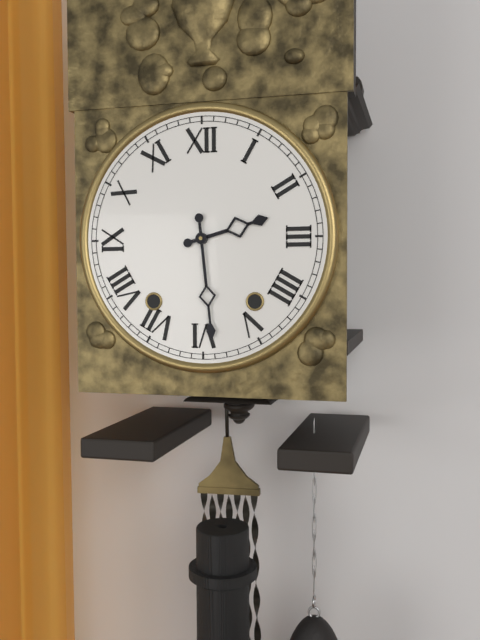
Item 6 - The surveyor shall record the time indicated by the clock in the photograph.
2:29
